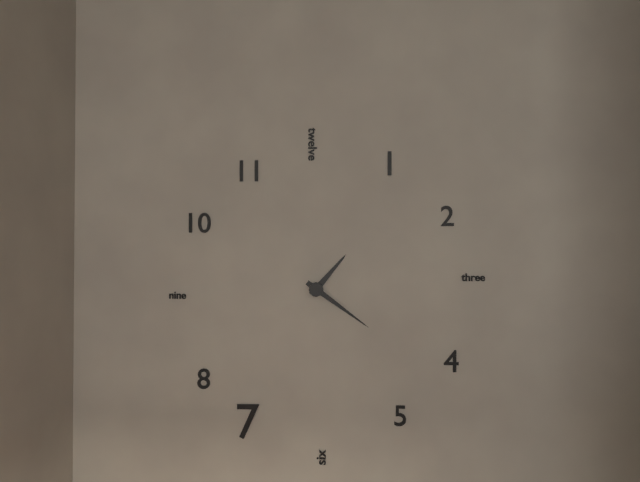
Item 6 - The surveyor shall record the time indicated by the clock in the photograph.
1:21
